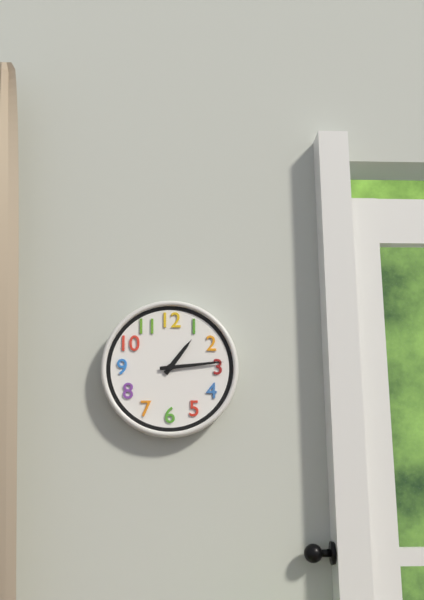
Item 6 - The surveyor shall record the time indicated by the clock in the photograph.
1:14
